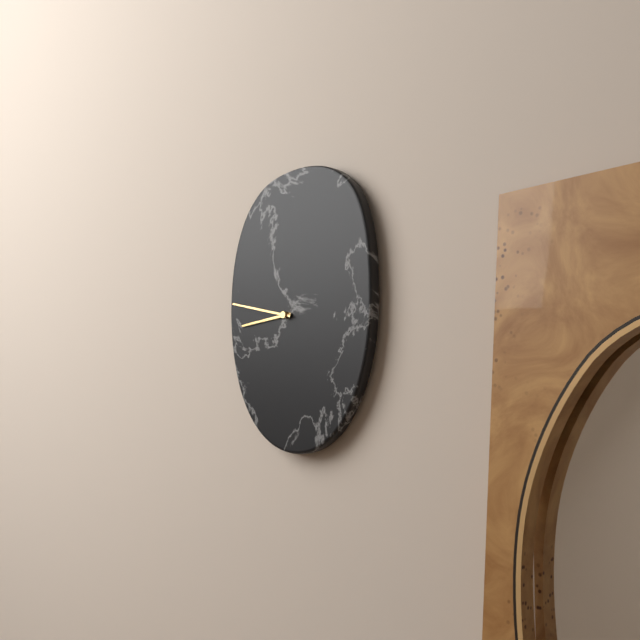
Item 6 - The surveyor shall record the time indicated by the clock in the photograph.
8:47
